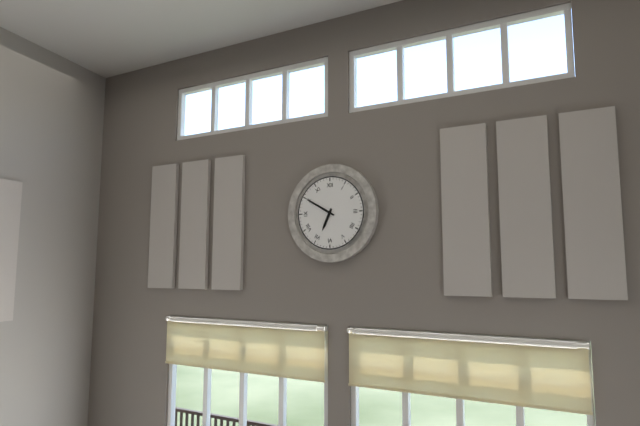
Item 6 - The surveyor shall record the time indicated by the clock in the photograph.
6:50
